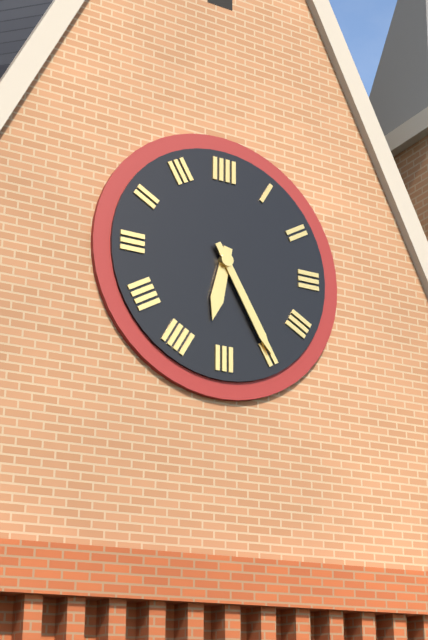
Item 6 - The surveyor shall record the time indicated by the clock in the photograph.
6:25
